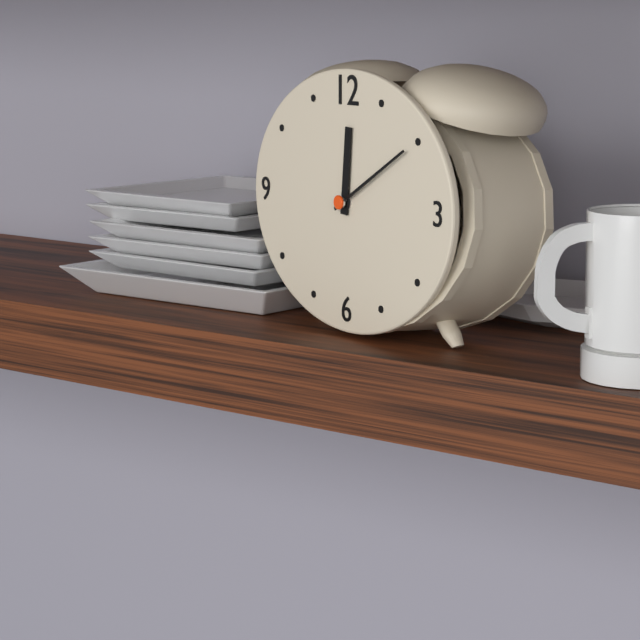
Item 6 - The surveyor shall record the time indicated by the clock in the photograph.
12:10
